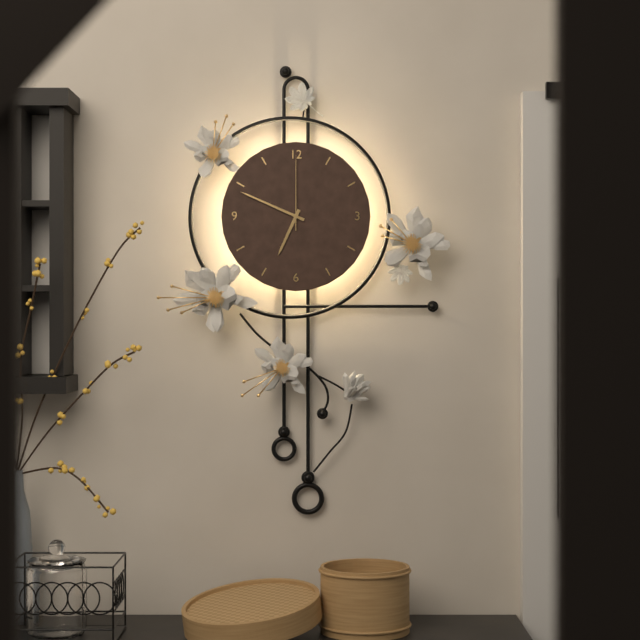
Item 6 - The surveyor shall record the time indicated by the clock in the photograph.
6:49:00
